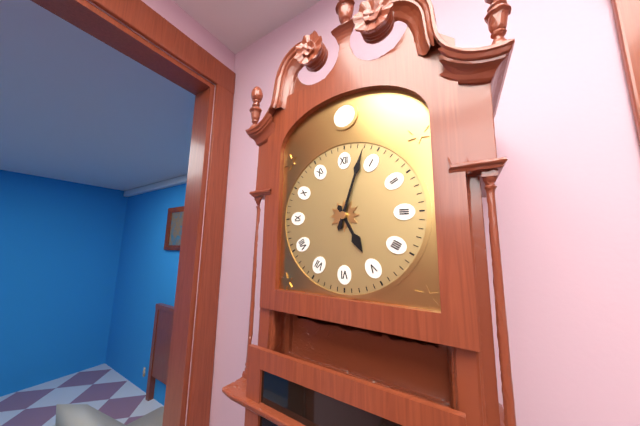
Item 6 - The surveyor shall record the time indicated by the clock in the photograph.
5:03
